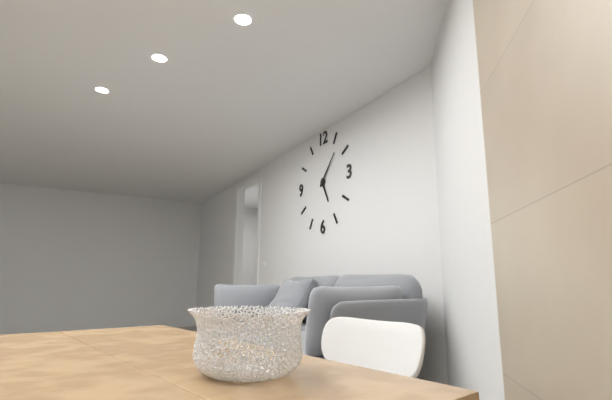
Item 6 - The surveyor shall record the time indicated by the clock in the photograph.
5:07
